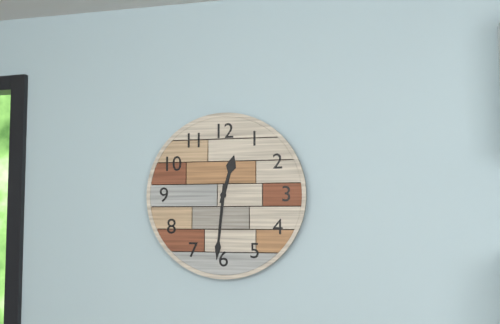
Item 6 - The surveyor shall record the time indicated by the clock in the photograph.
12:31
